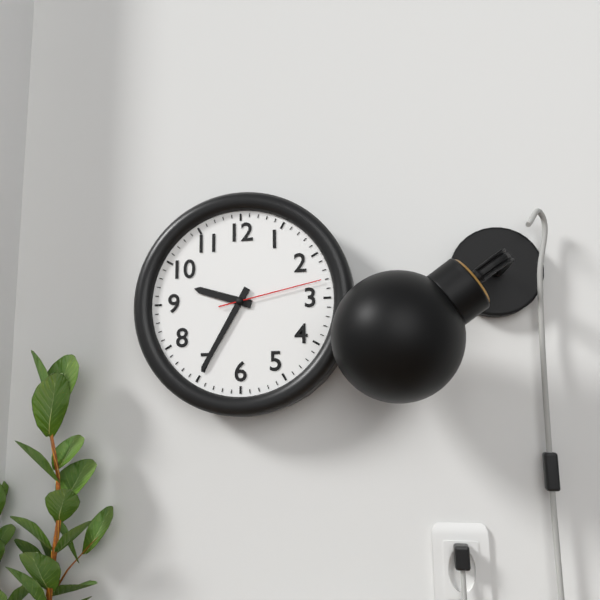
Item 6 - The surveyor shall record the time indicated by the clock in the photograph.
9:35:13
